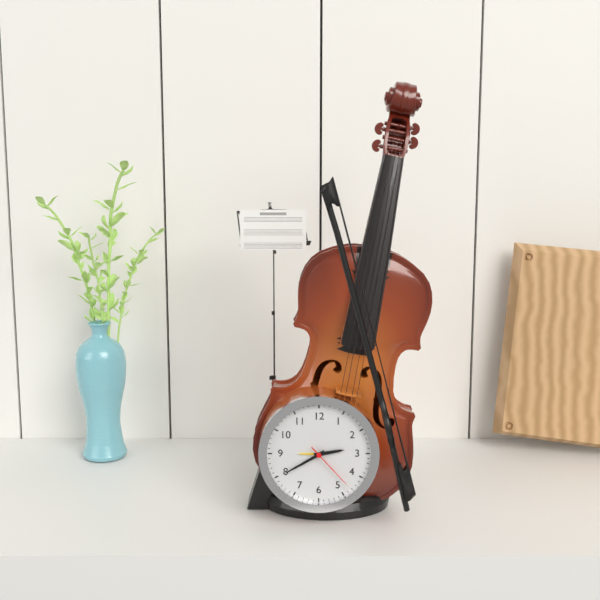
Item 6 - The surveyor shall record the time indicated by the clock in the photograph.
2:40:23
